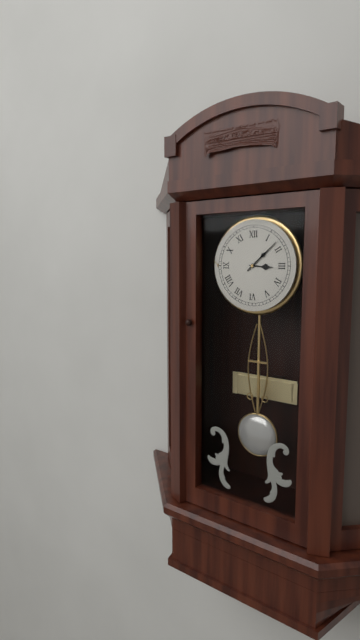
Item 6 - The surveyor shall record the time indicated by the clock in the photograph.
3:08
